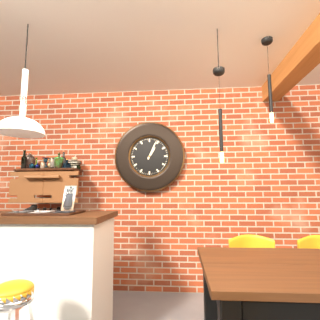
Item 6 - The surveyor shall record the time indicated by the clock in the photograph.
1:04
